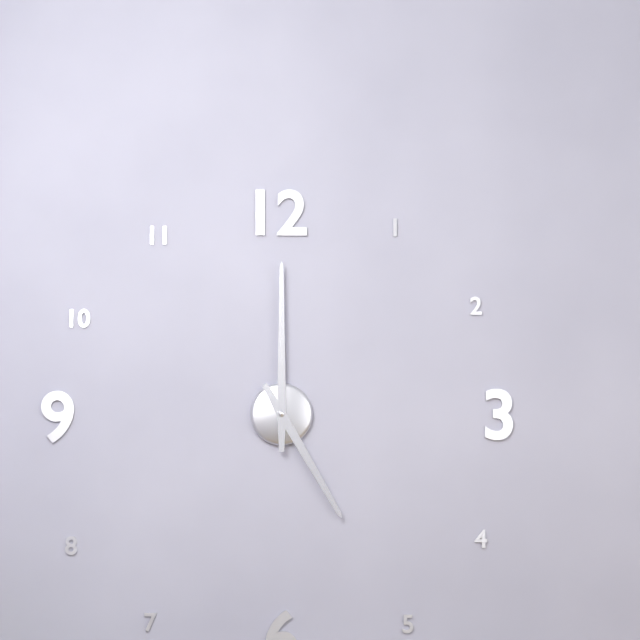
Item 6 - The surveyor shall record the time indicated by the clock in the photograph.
5:00
